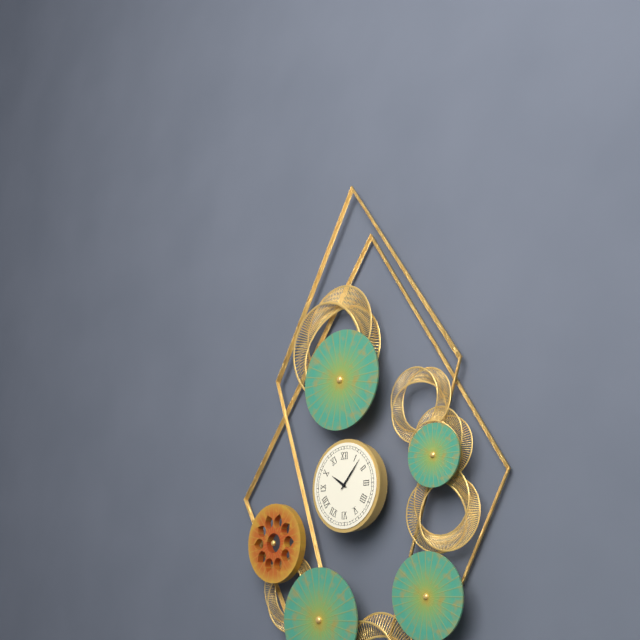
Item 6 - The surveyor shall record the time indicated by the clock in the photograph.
10:07
